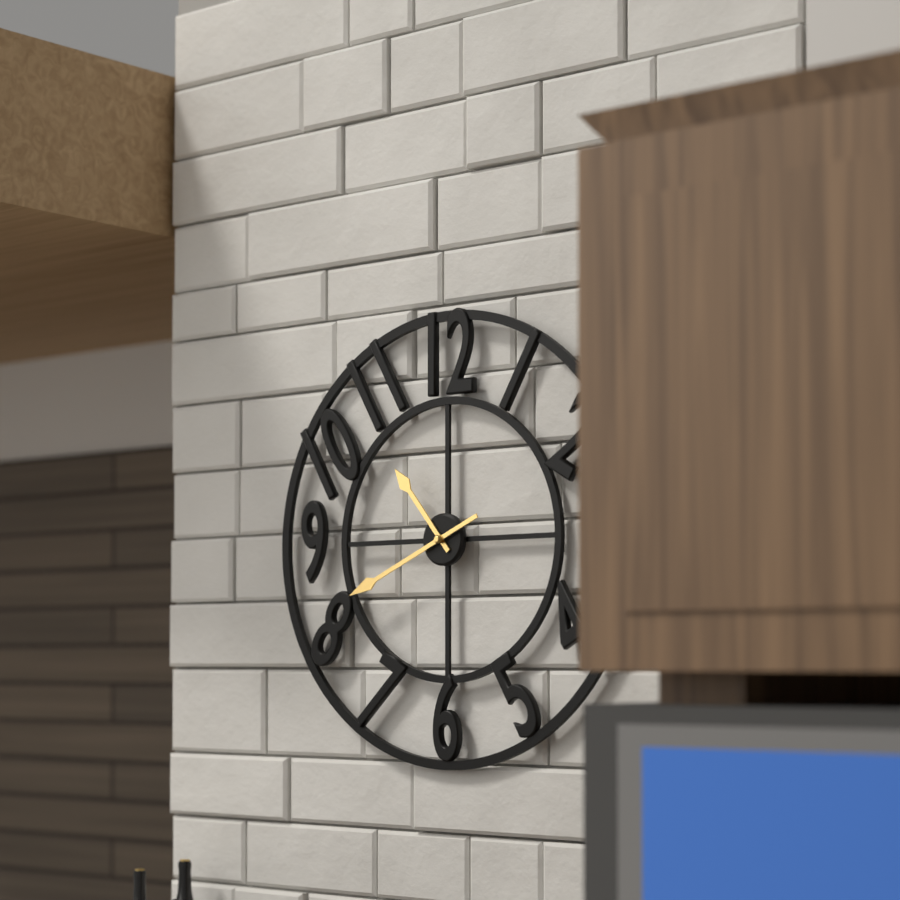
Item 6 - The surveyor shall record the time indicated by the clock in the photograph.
10:41
